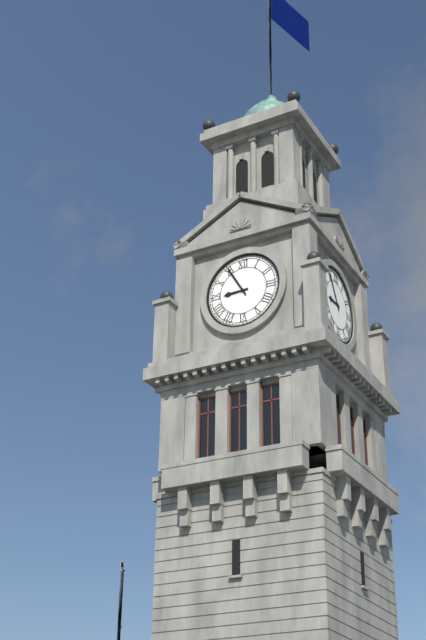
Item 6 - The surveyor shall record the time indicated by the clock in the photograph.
8:55
